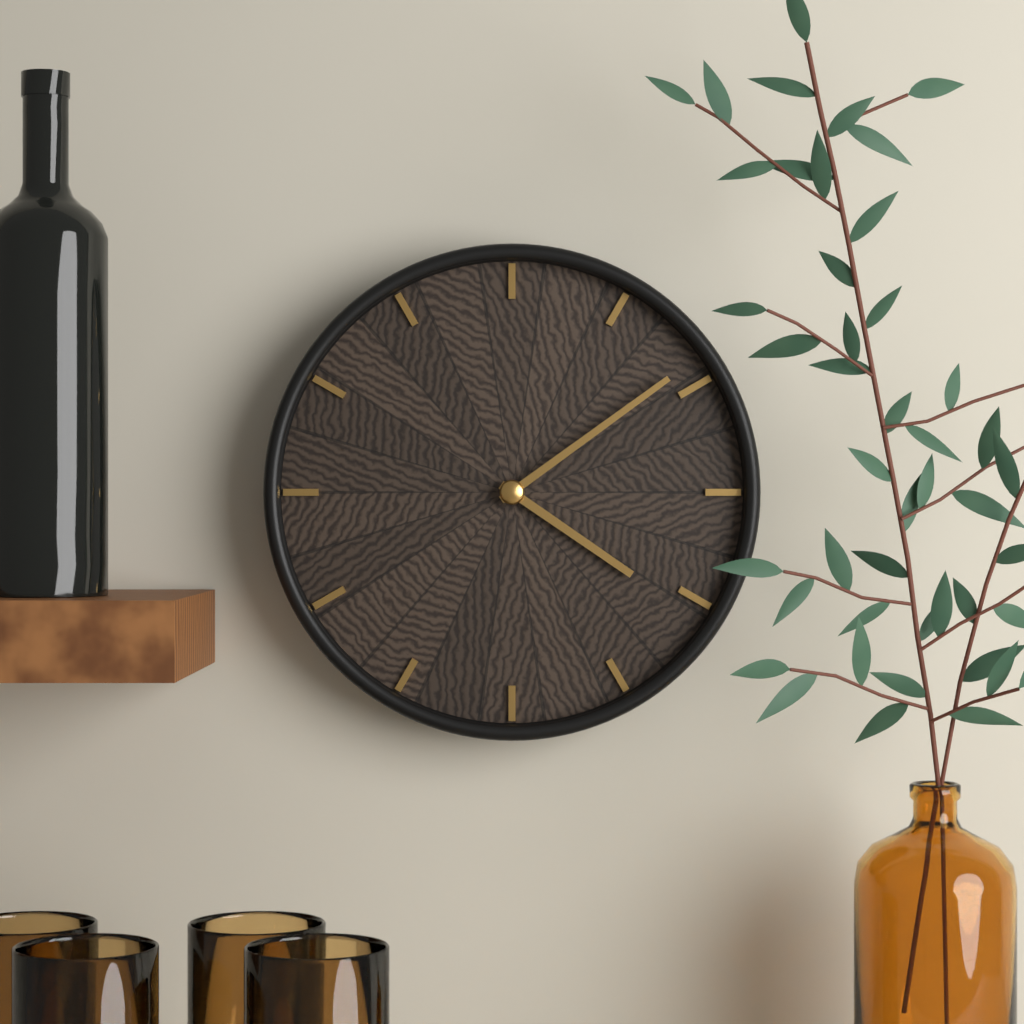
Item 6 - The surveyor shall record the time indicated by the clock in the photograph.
4:09
